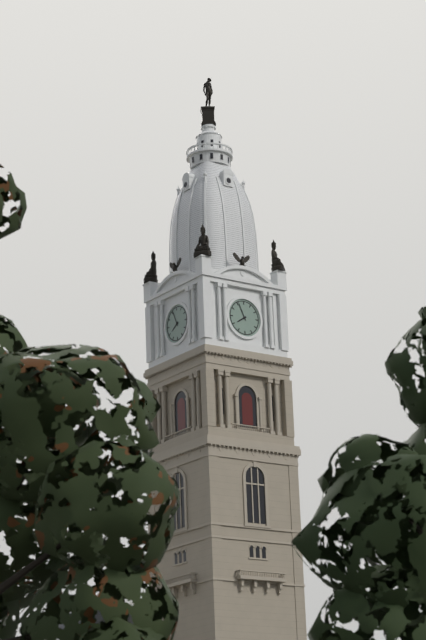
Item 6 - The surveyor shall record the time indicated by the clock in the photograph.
7:56
